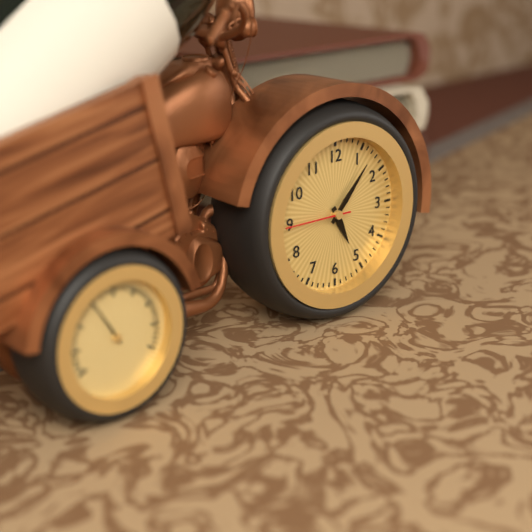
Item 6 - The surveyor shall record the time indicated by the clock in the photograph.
5:07:45
